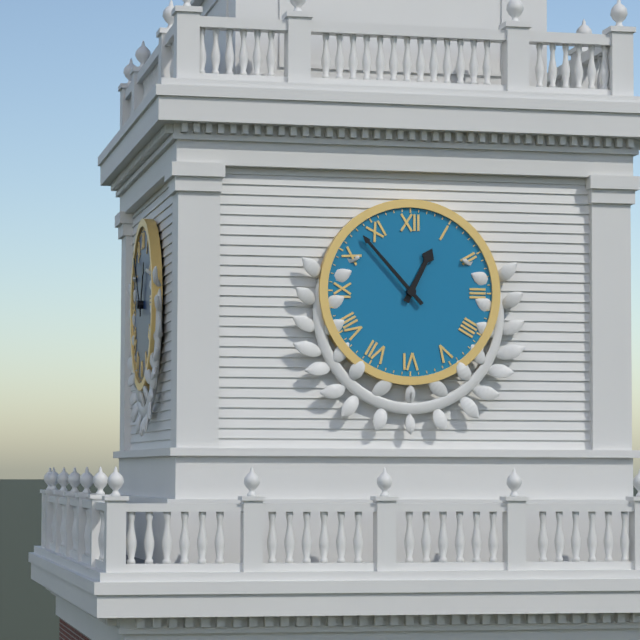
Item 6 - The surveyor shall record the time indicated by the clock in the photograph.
12:53
